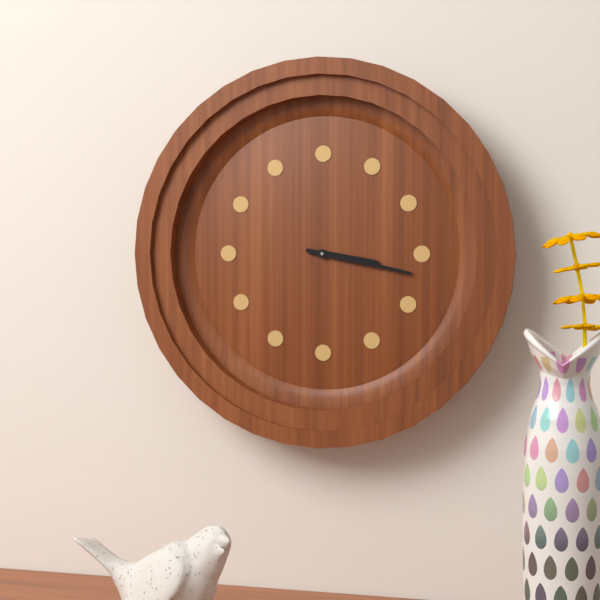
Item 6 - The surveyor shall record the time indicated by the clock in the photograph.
3:17
